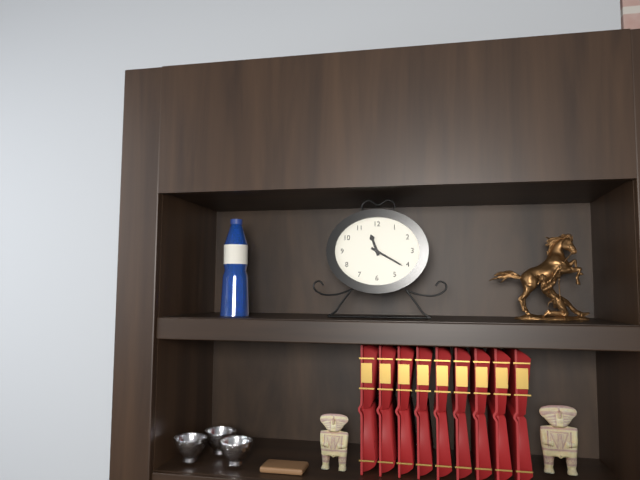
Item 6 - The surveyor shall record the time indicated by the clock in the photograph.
11:20
